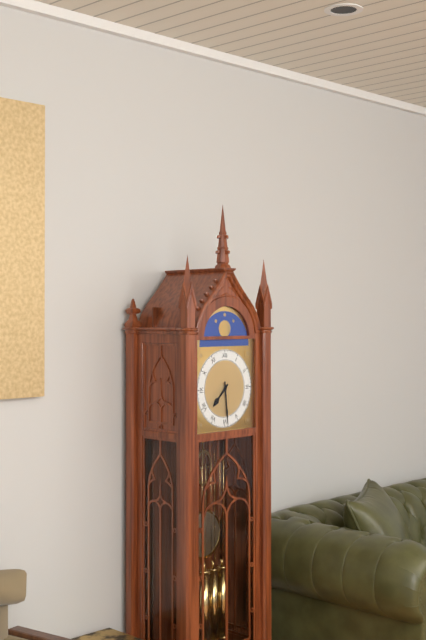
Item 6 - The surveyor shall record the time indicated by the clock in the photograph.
7:29
